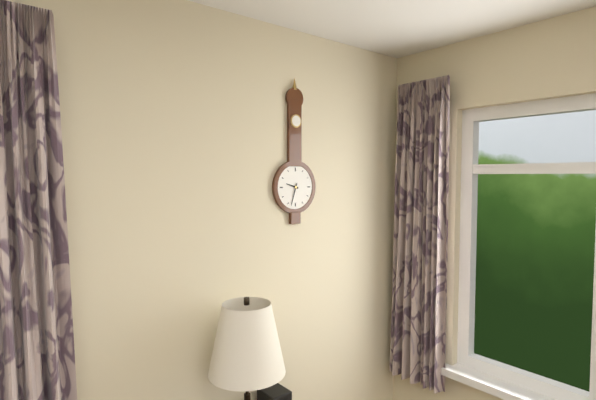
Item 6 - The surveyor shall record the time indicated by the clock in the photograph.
9:33
